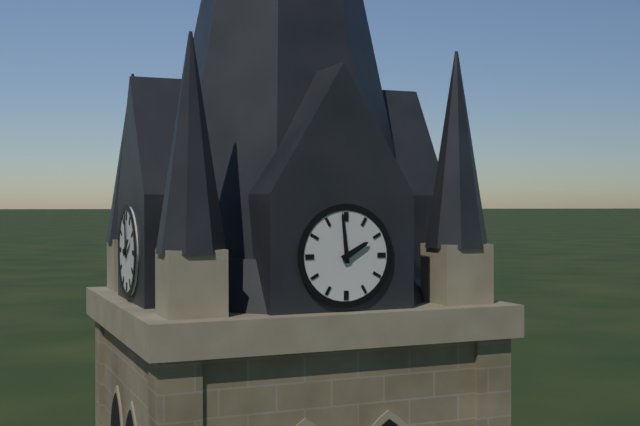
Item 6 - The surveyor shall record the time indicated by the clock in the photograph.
1:59
